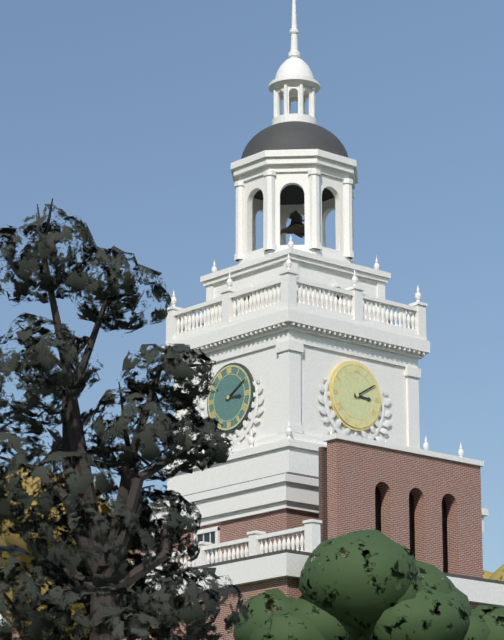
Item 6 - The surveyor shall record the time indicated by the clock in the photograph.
3:10
